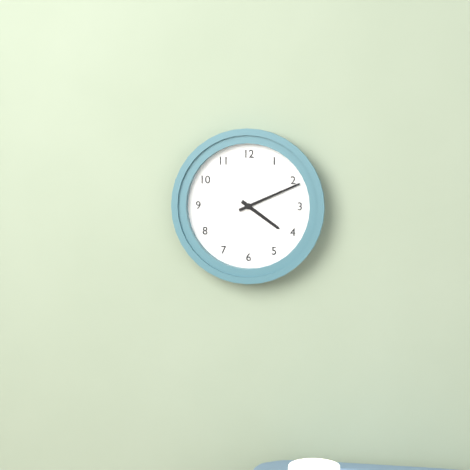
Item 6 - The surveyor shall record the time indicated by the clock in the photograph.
4:11
